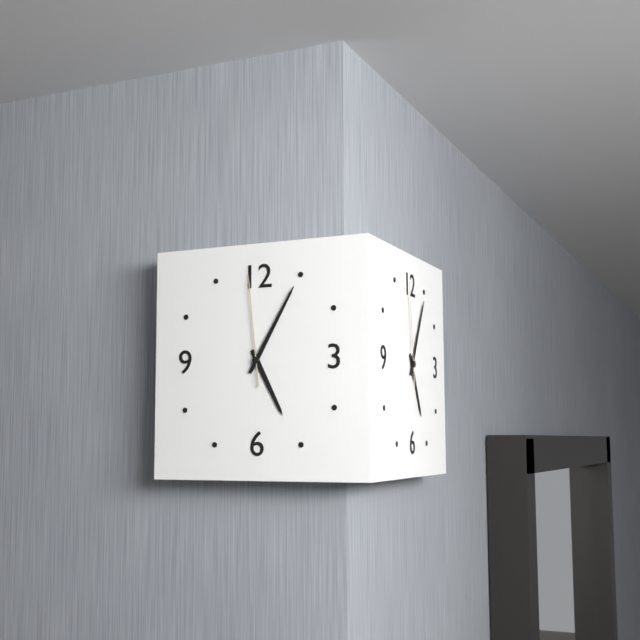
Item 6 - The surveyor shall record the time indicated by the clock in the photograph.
5:05:59
